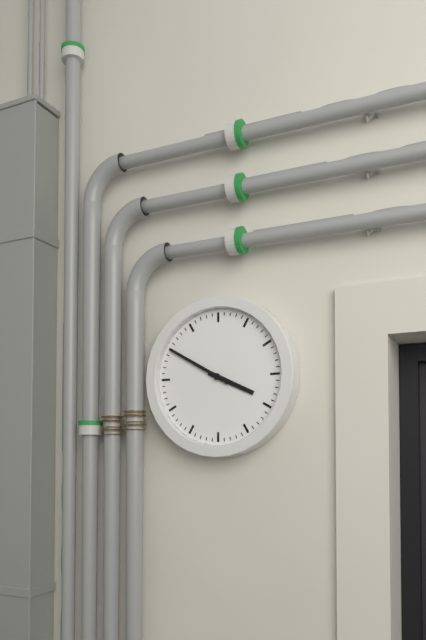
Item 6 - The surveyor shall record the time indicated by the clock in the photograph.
3:50
